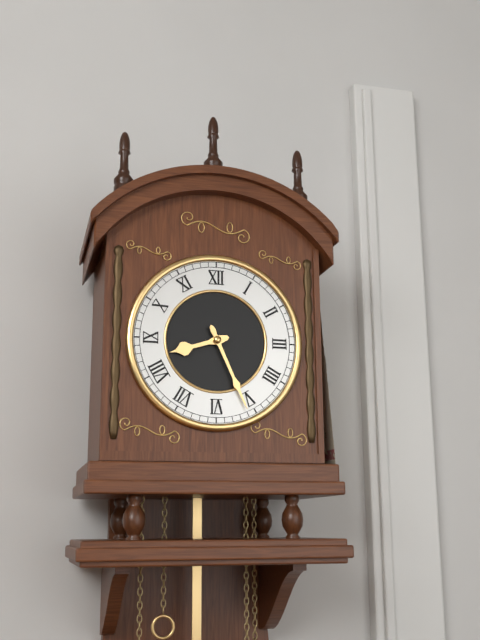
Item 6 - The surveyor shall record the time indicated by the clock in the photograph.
8:26
